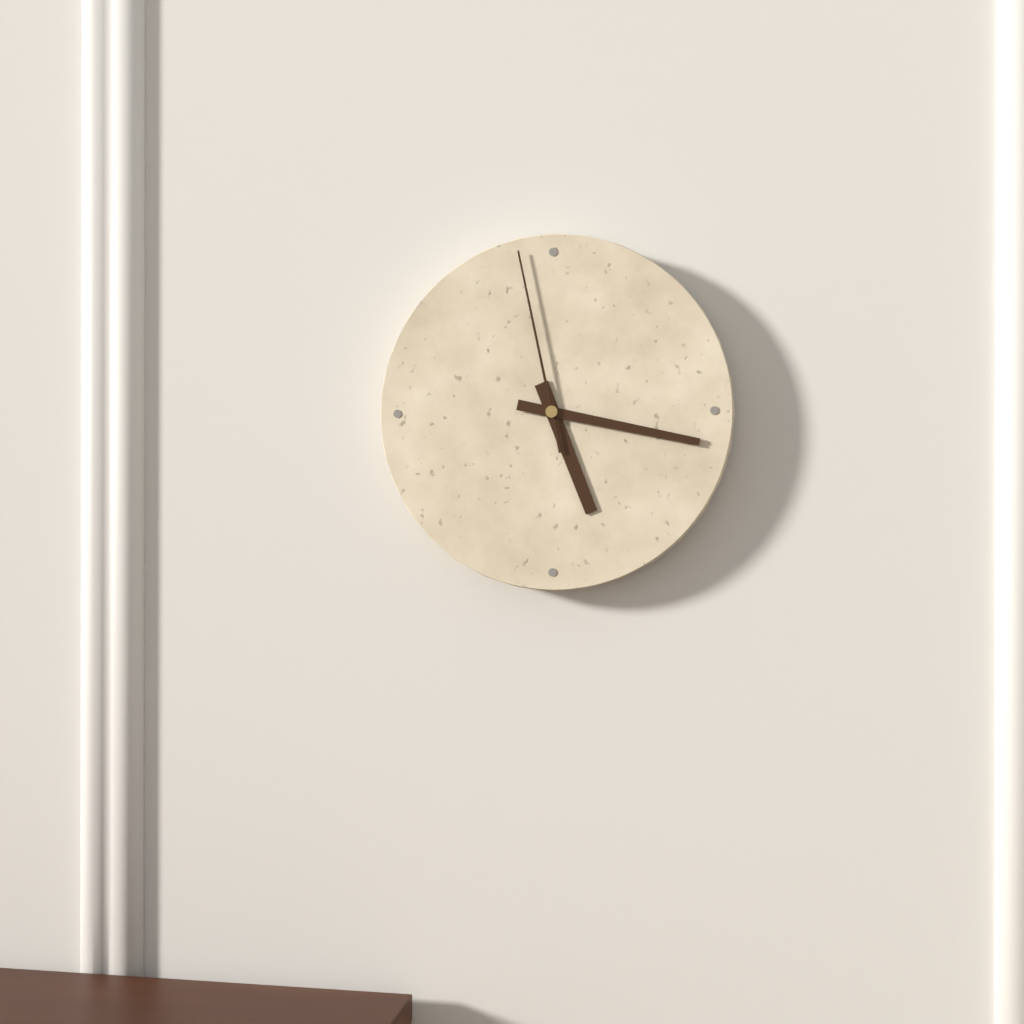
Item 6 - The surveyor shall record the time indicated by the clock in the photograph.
5:17:58
